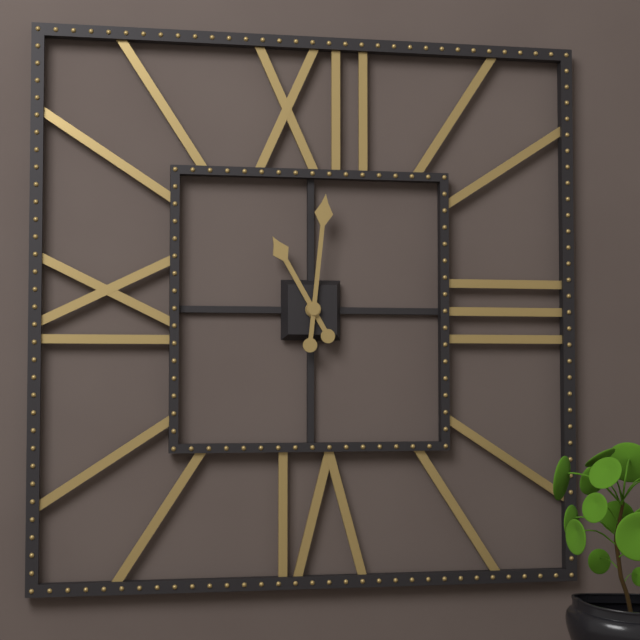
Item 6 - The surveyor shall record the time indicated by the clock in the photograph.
11:01
